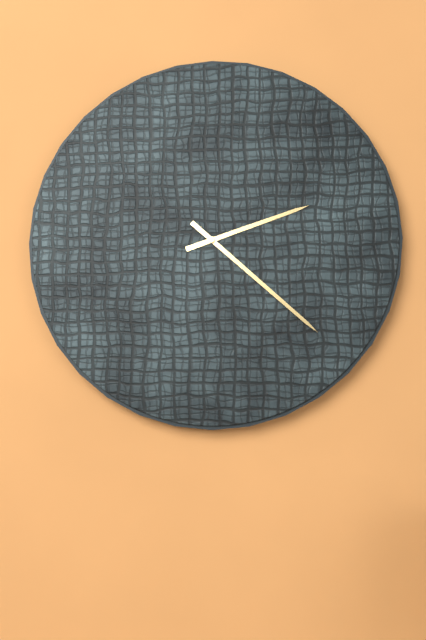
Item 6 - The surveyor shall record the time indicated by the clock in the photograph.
2:22
